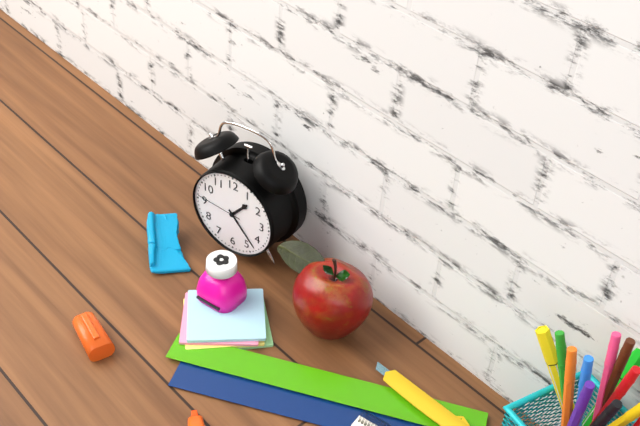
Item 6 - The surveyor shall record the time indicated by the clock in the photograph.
1:23
